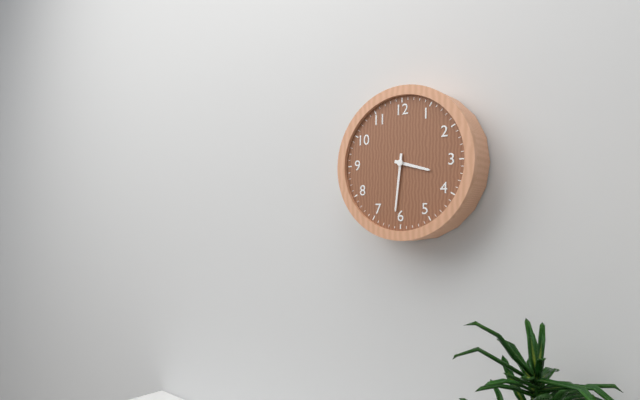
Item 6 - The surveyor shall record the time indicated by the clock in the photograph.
3:31
